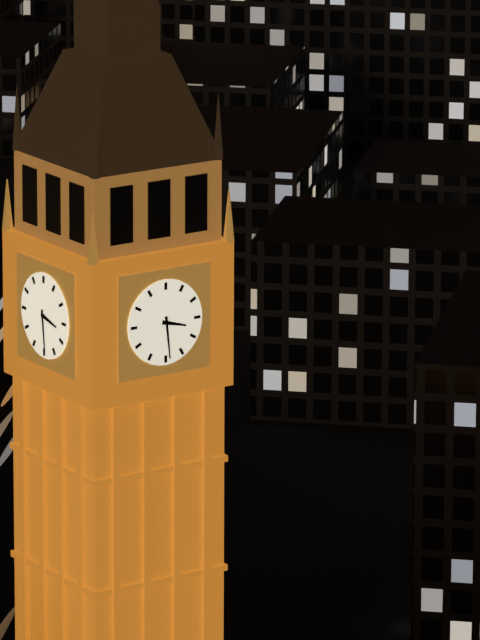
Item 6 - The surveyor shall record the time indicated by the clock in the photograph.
3:29
